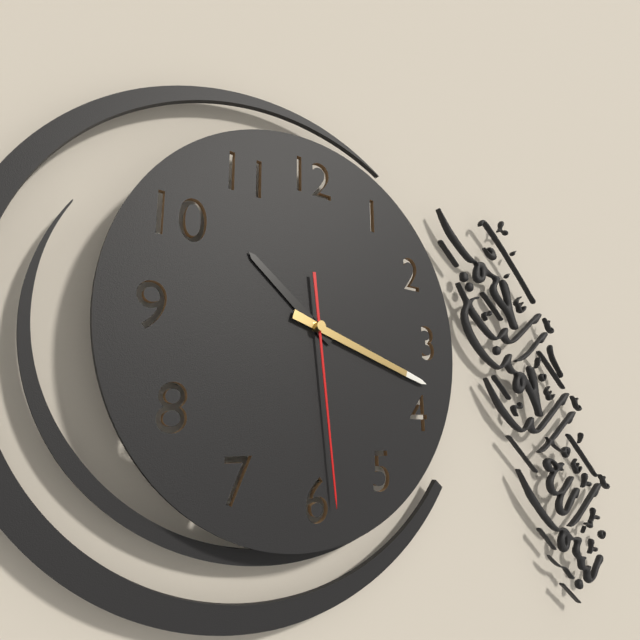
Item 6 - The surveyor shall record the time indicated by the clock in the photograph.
10:18:29
